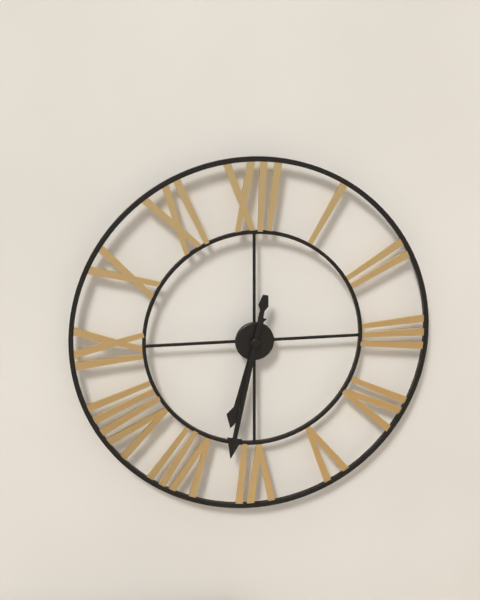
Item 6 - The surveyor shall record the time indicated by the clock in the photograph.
6:32
